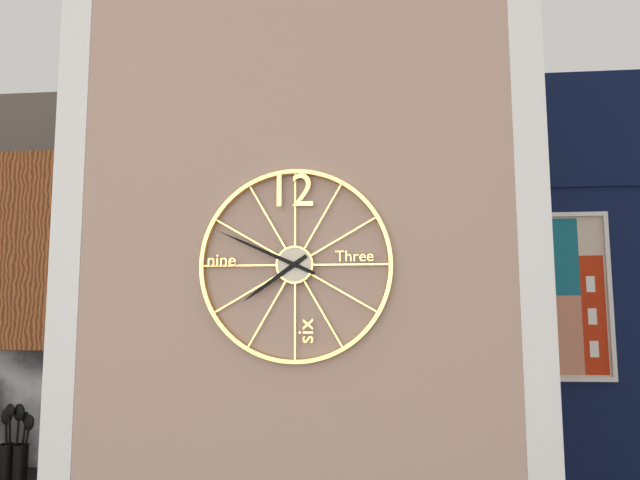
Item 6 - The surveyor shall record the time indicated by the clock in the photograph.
7:49
